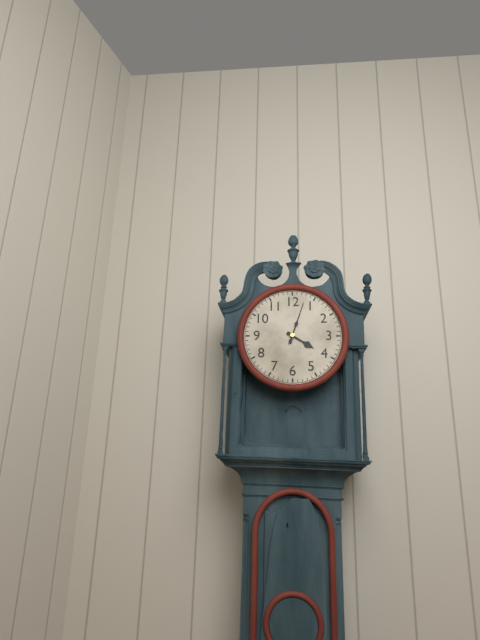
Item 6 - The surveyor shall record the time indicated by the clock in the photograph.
4:03
